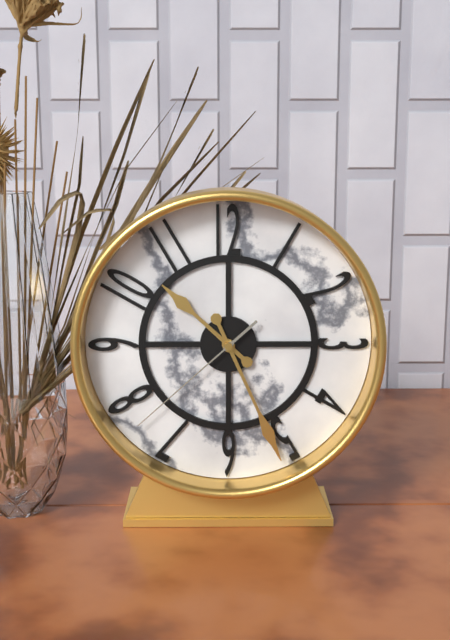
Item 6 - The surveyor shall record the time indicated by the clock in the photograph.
10:26:38
